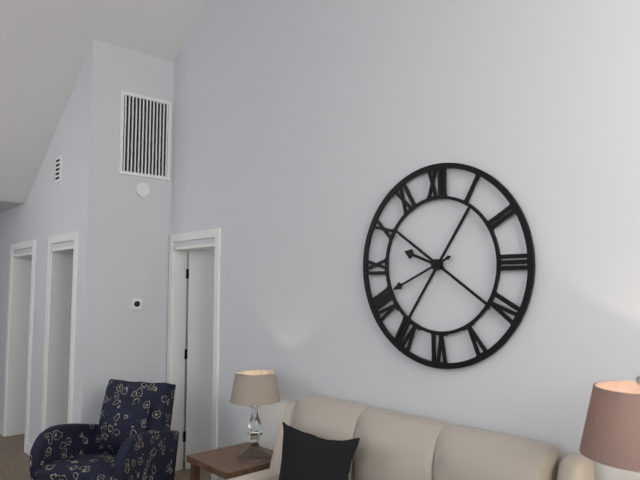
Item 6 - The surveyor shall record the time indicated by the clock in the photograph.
9:41
